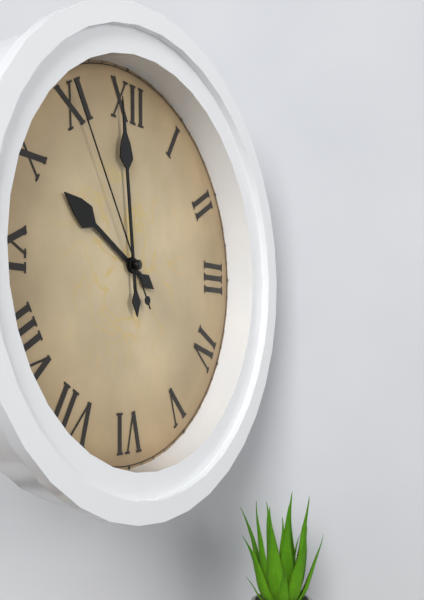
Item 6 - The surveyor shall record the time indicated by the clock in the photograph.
9:59:55
